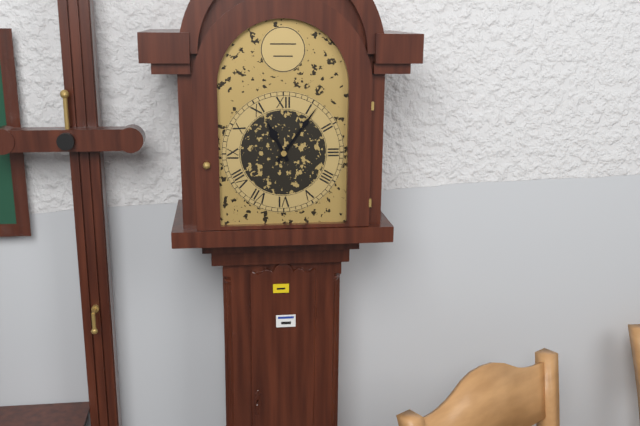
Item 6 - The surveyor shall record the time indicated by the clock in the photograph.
11:06
